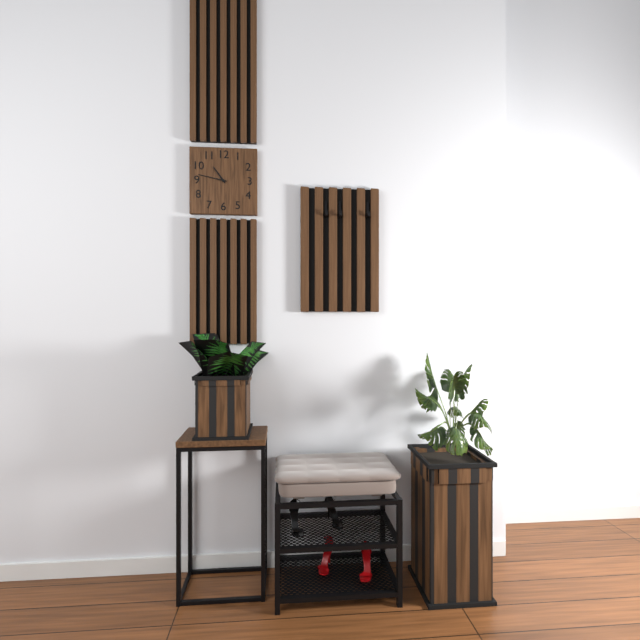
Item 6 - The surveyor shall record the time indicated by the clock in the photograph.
10:47
